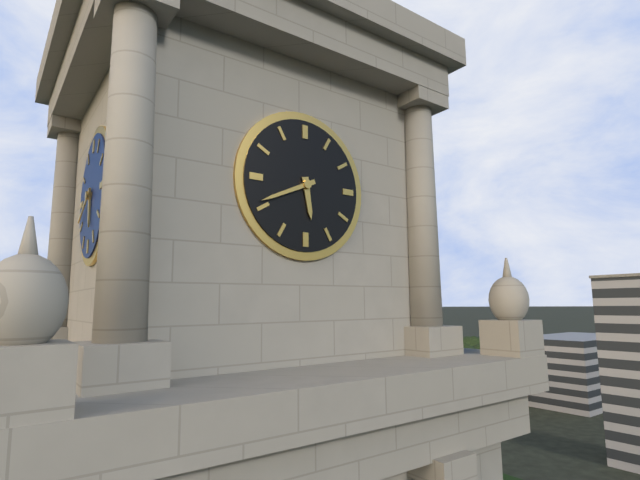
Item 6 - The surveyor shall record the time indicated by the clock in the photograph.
5:41
